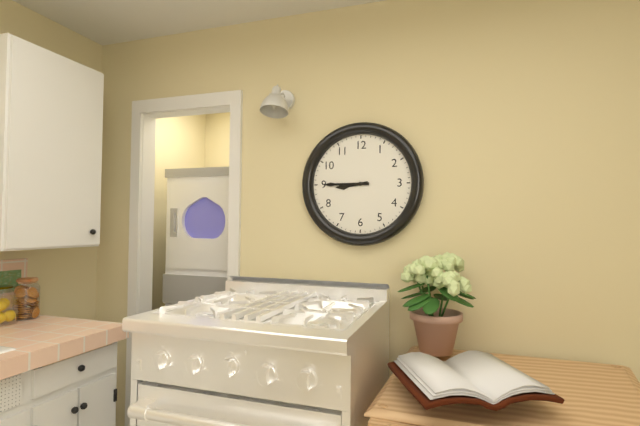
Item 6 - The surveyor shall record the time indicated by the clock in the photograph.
8:45
